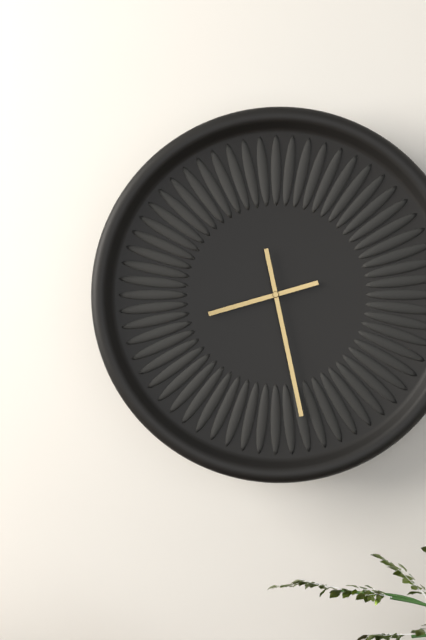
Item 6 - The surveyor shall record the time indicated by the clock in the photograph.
8:28
